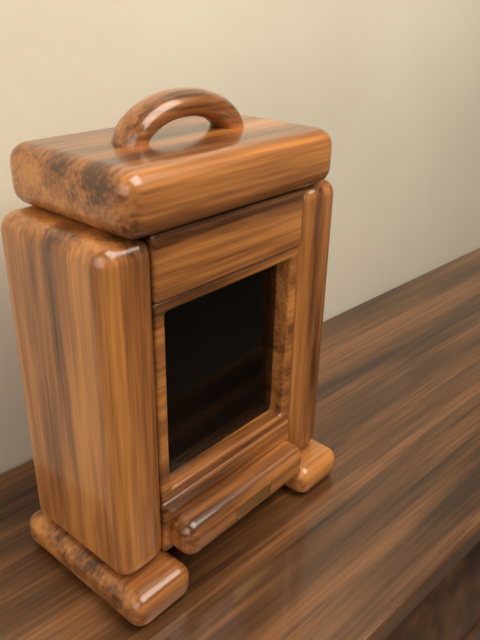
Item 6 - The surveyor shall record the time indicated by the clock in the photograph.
11:06:55
